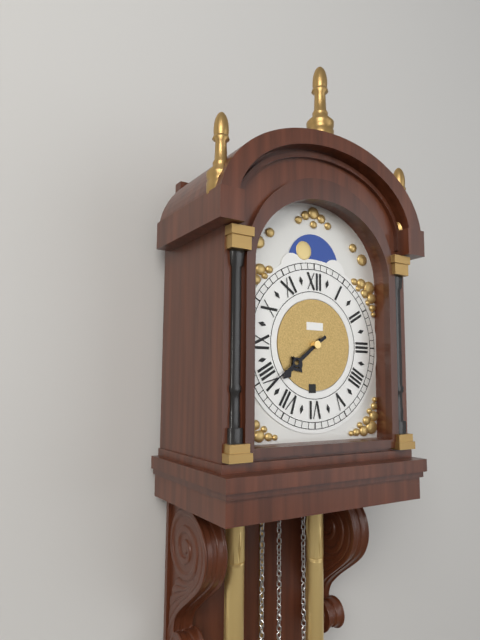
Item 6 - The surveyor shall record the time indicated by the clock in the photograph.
7:39
